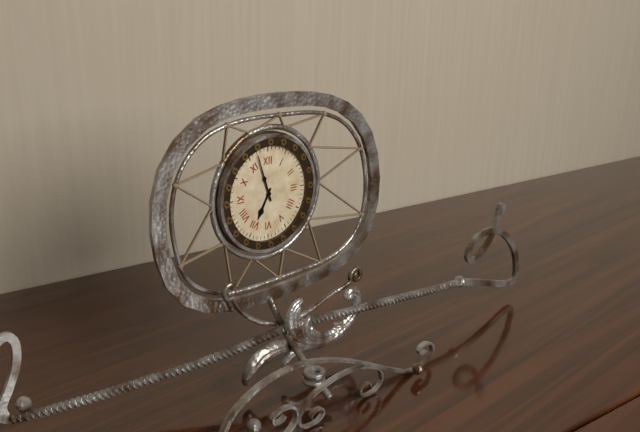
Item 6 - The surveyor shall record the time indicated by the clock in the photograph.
6:57
